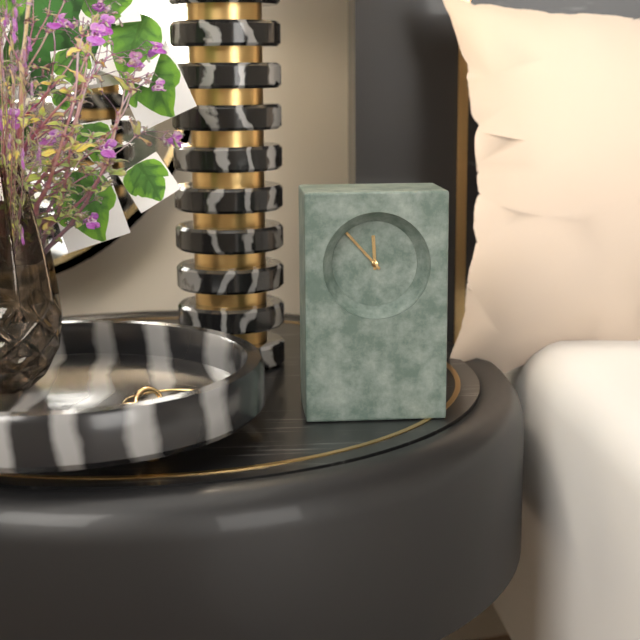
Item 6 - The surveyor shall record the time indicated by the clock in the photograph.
11:53
